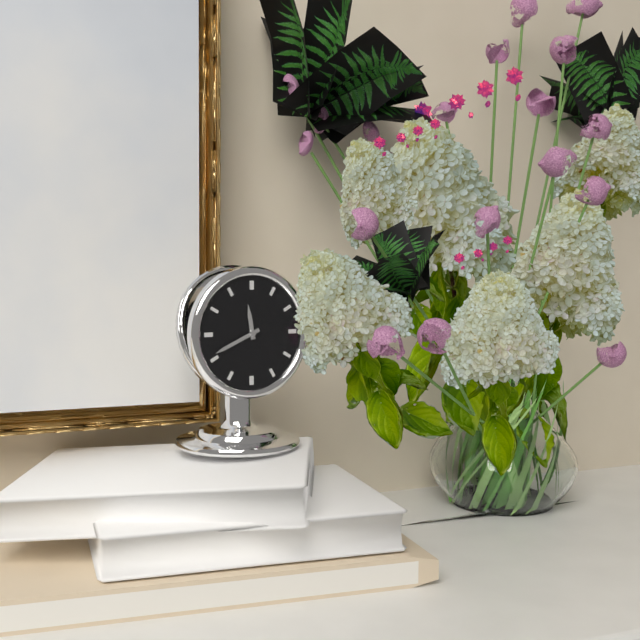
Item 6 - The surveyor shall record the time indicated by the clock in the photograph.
11:41
